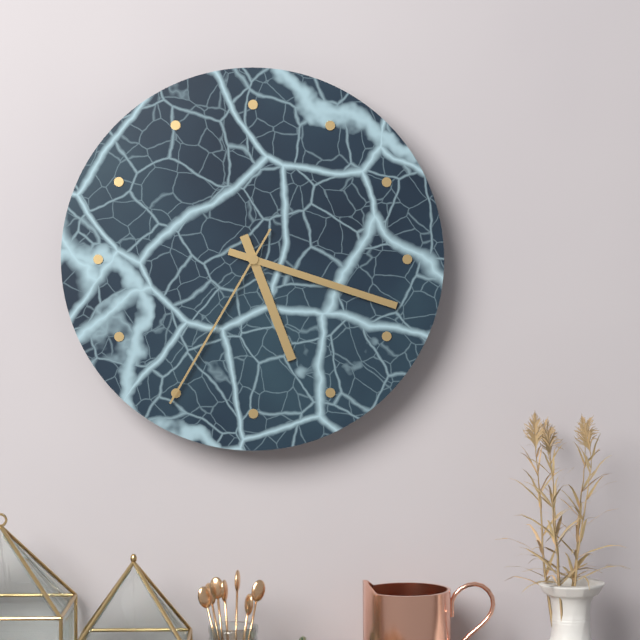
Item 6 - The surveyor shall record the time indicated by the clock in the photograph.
5:18:35
